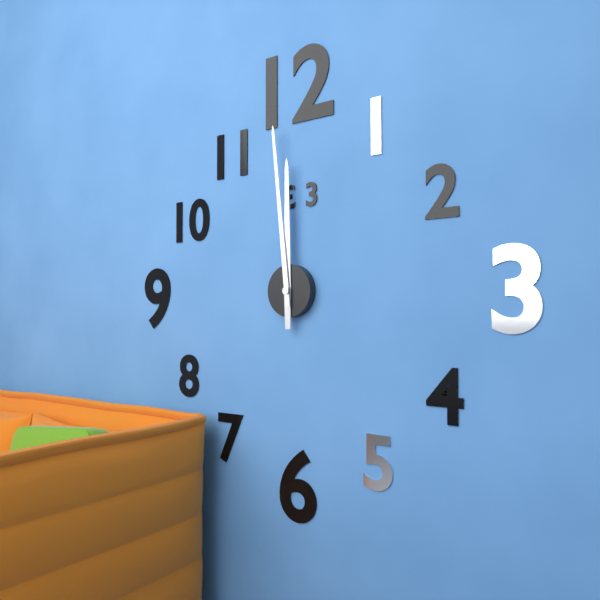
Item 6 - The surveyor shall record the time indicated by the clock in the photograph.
11:59
